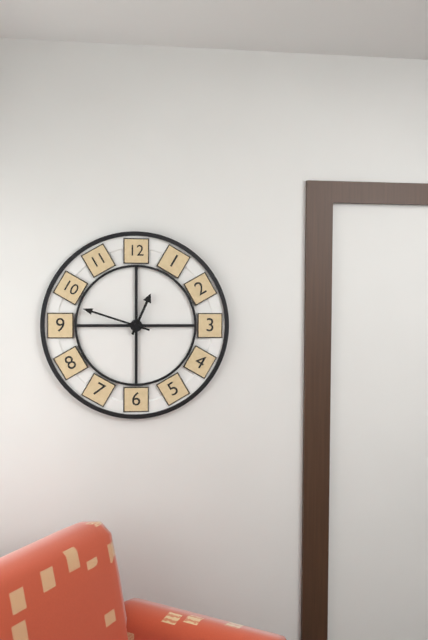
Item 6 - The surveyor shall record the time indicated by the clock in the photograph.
12:48
